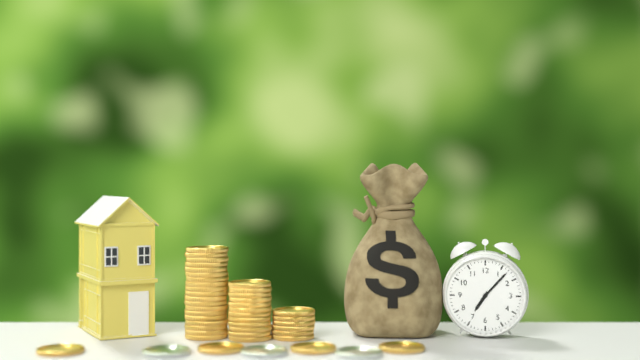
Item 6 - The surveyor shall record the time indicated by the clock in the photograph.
7:07
